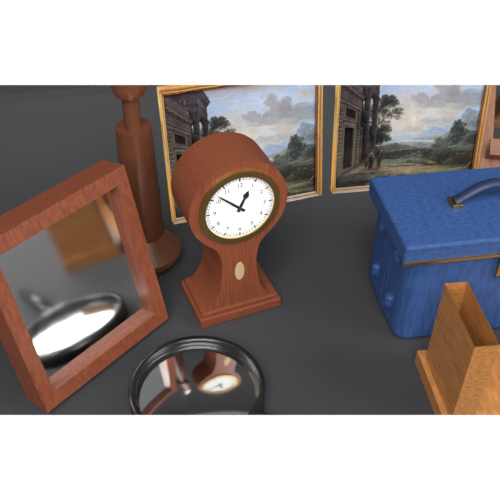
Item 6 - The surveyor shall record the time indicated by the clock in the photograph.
12:52
